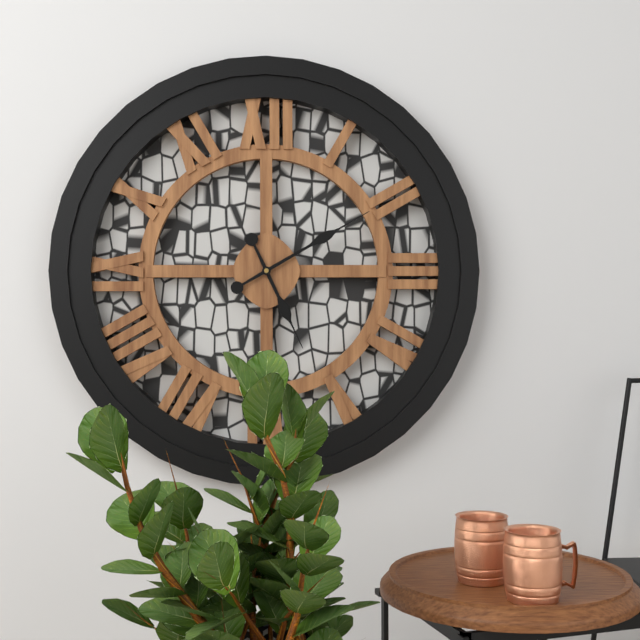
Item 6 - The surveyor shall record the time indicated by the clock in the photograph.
5:10
